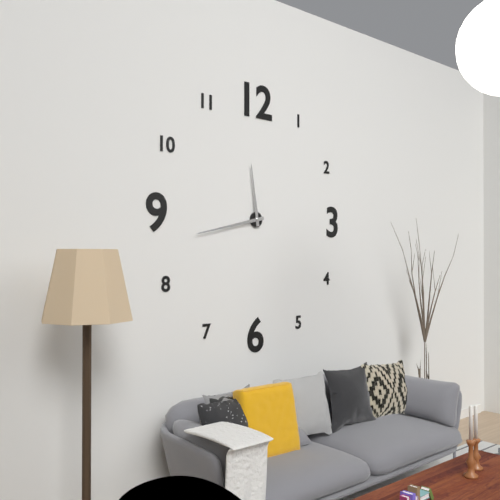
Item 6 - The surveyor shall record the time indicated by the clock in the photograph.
11:43
